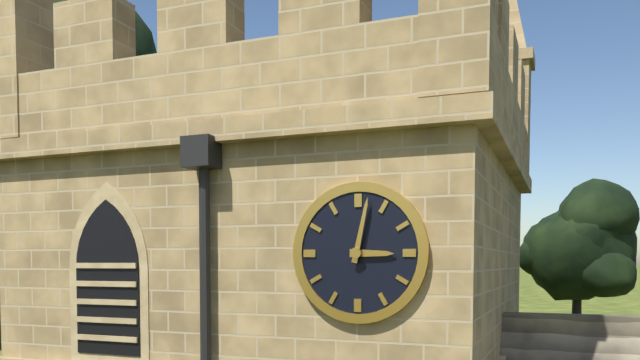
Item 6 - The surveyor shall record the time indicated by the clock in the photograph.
3:02
